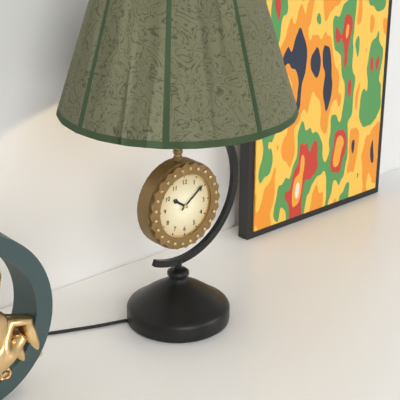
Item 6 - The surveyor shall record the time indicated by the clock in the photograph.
10:09
